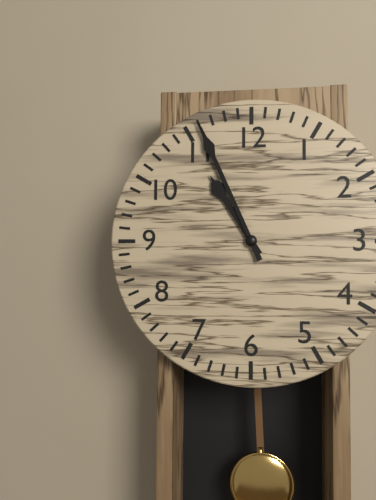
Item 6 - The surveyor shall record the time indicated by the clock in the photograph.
10:56
